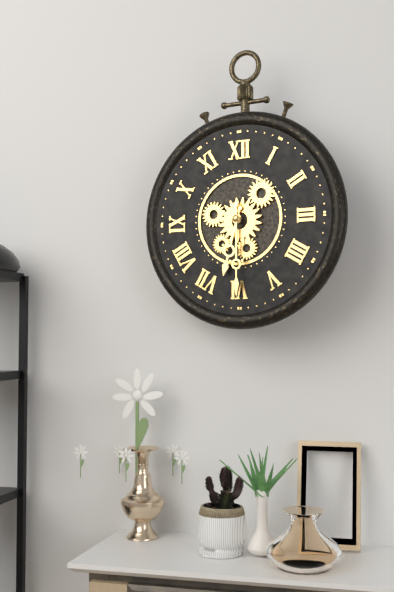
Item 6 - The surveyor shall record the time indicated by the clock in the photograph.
6:30
